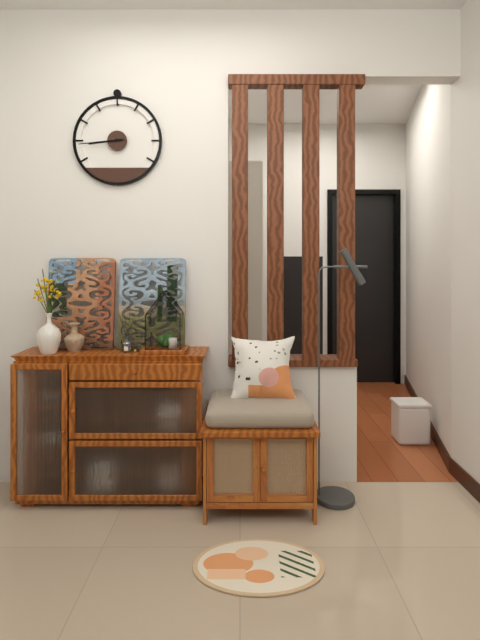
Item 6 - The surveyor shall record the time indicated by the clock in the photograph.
8:44
